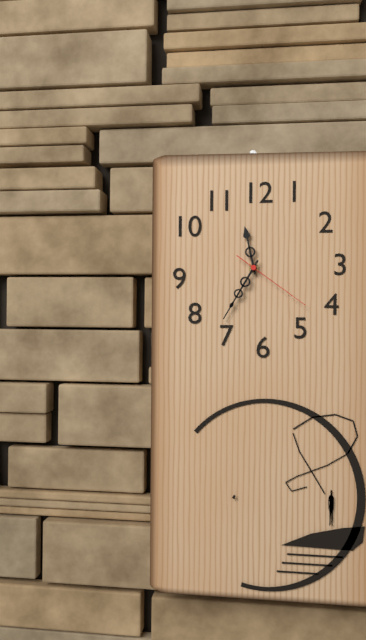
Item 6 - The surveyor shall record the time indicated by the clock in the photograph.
11:35:21
